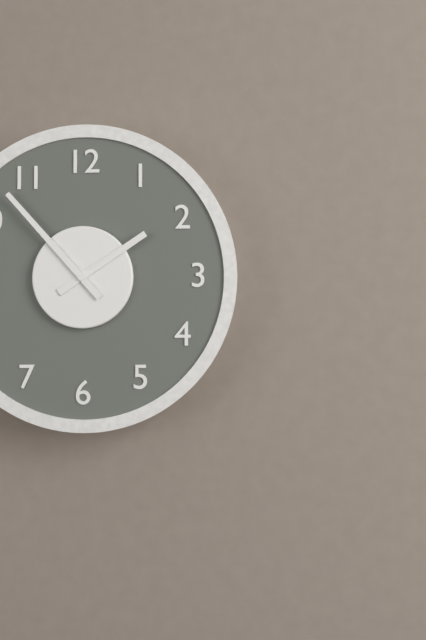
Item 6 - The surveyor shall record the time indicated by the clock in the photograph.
1:53
